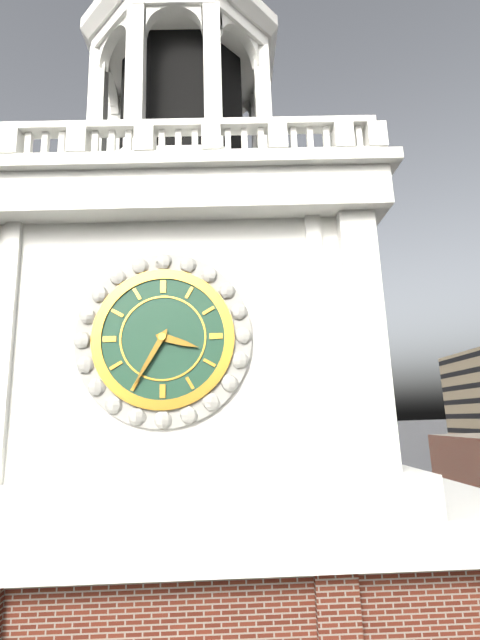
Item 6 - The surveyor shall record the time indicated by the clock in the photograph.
3:35
